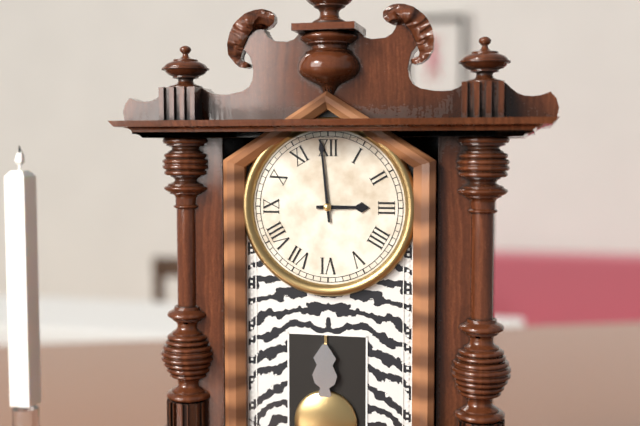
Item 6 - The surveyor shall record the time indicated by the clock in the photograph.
2:59
